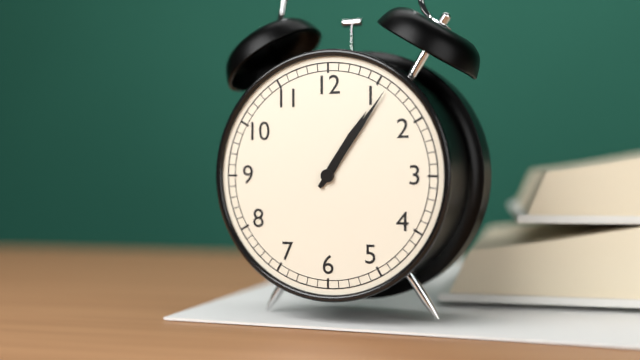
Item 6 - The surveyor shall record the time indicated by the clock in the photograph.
1:06
